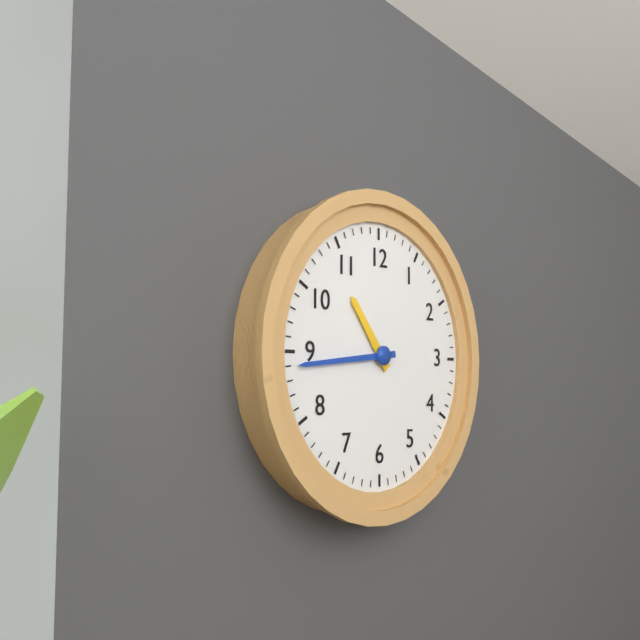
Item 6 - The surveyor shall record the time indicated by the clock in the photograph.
10:44
